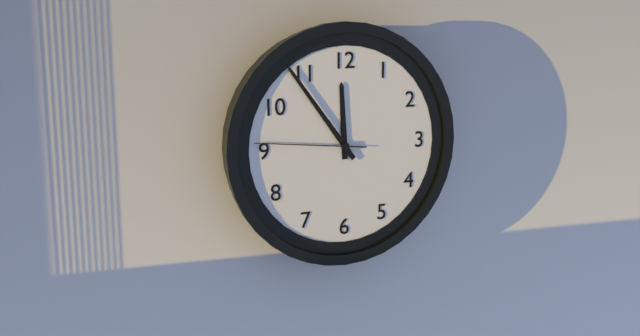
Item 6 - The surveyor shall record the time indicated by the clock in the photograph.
11:54:46
